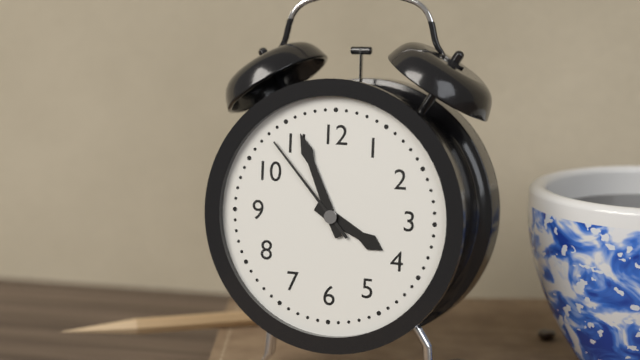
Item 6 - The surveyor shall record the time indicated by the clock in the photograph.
3:56:53
